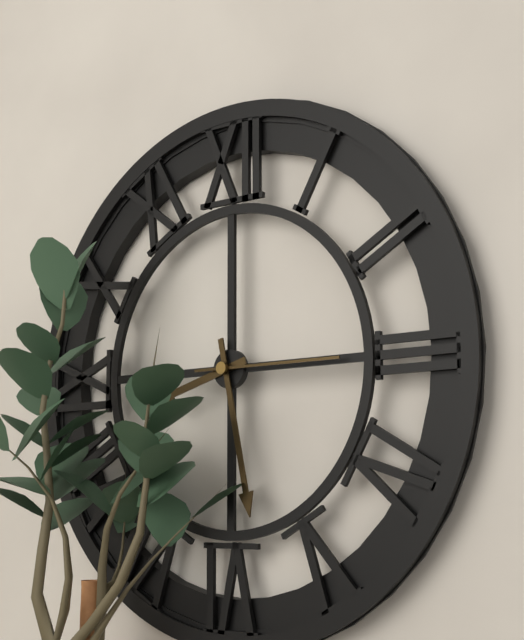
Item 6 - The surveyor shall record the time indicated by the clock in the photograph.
8:28:15
